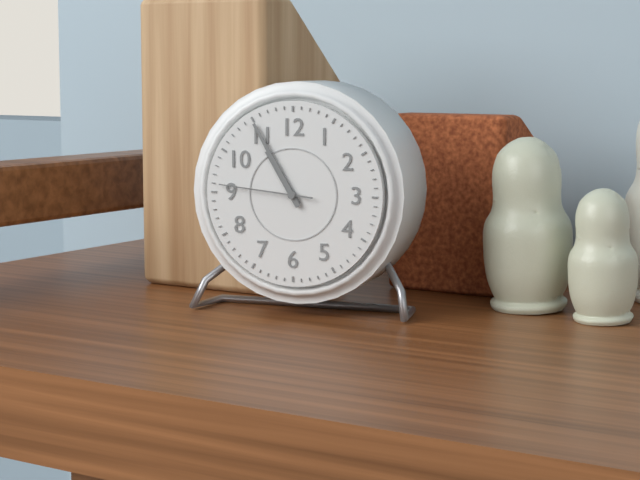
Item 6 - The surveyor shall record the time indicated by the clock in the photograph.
10:55:46
